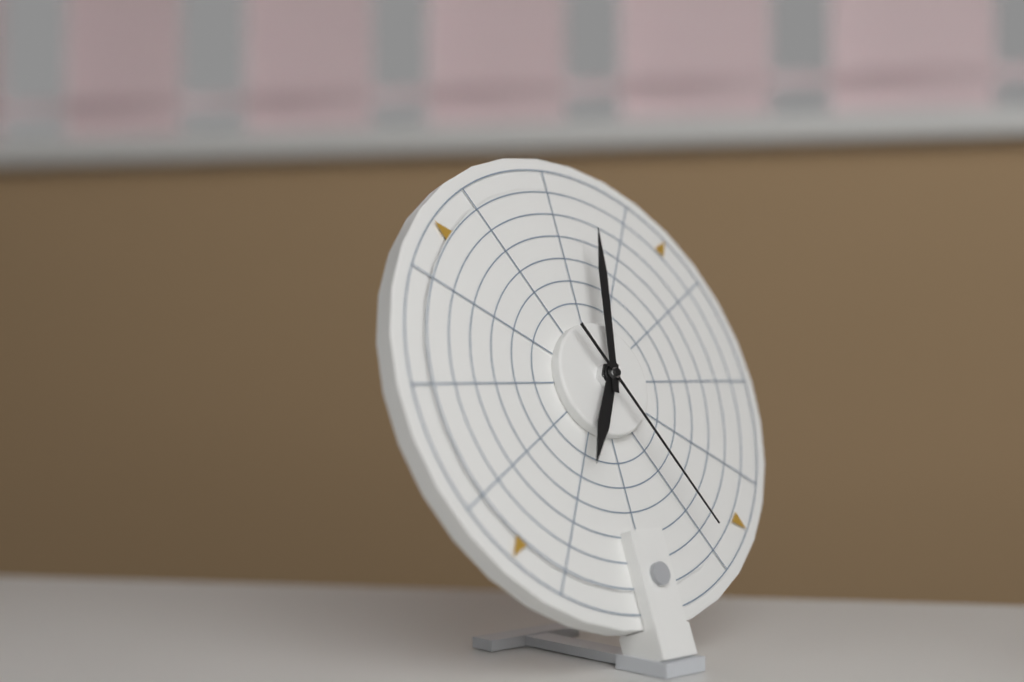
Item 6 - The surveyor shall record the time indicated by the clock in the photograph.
7:02:25
